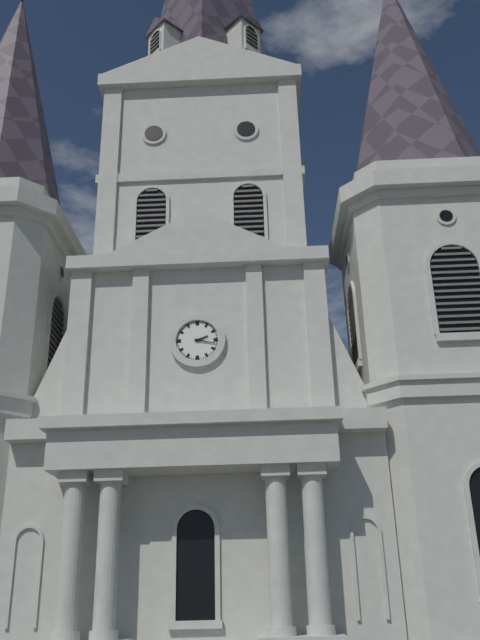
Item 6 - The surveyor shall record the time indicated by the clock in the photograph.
2:17
